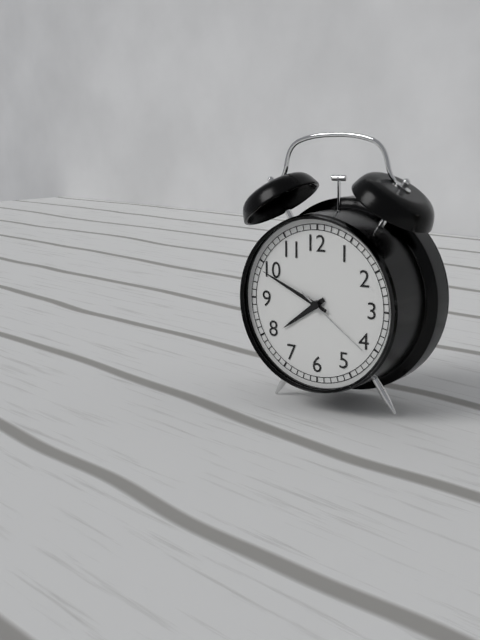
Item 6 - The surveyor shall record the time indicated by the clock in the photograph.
7:49:21
